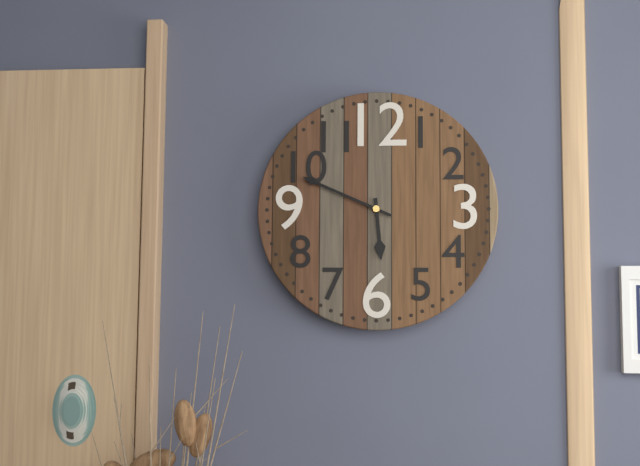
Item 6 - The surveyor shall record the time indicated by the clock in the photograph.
5:49
